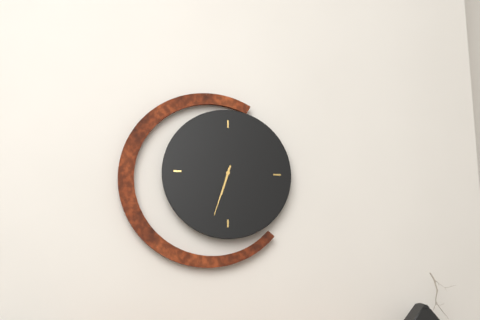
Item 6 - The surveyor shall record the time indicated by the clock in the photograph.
6:33
